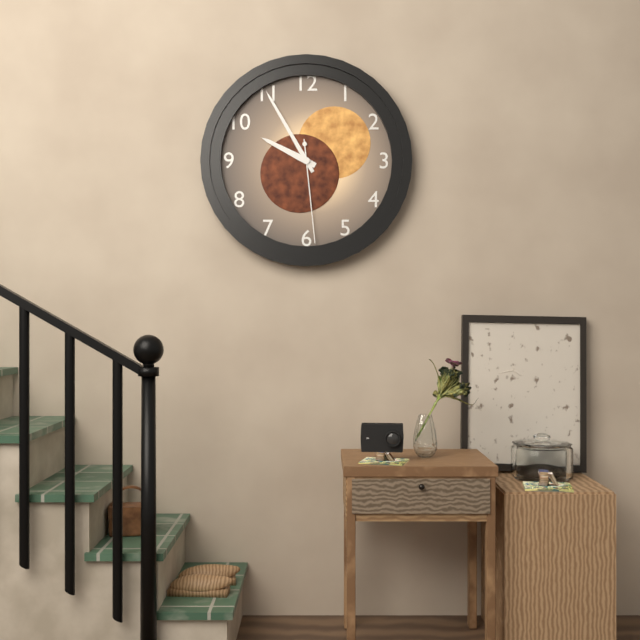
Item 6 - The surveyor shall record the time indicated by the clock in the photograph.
9:55:29
